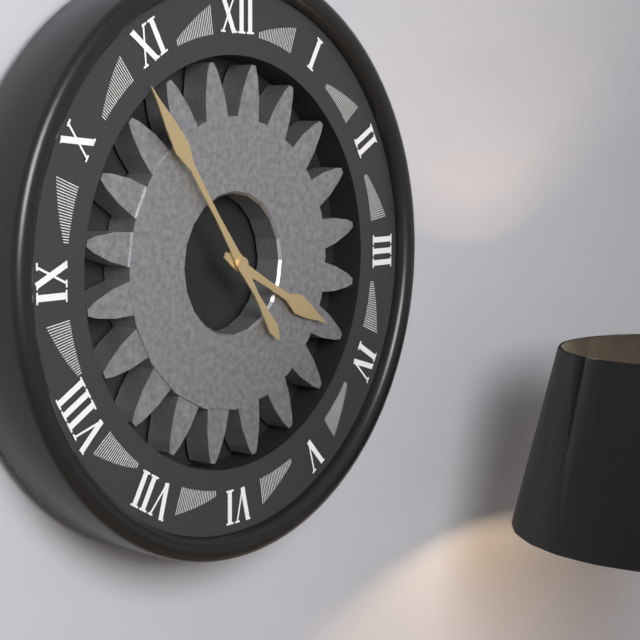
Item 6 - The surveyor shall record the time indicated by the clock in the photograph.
3:54
